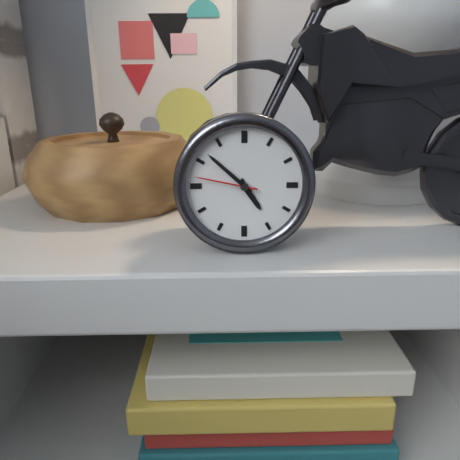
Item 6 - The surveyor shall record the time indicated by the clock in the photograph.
4:52:47
